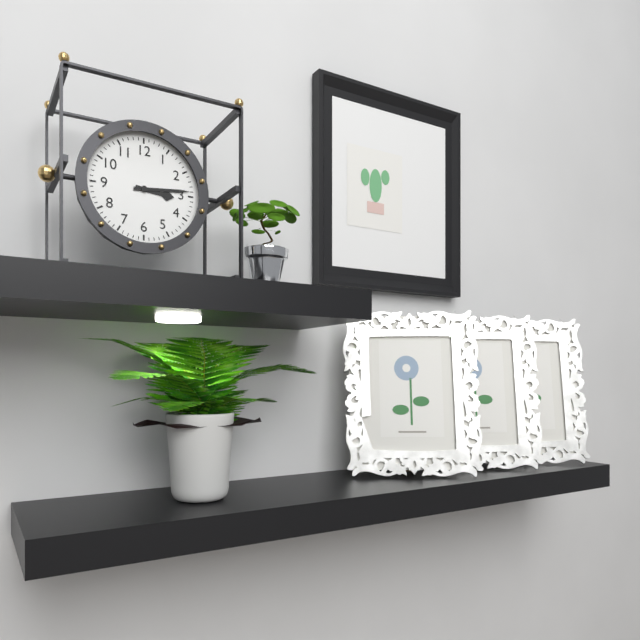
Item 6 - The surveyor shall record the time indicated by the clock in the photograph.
3:14
